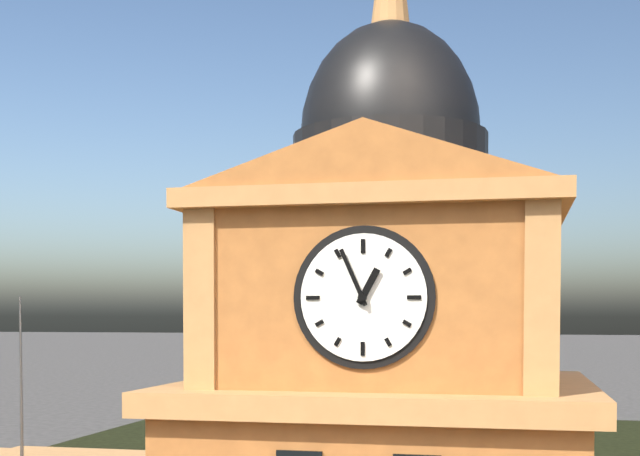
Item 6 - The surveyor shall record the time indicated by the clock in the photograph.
12:56
